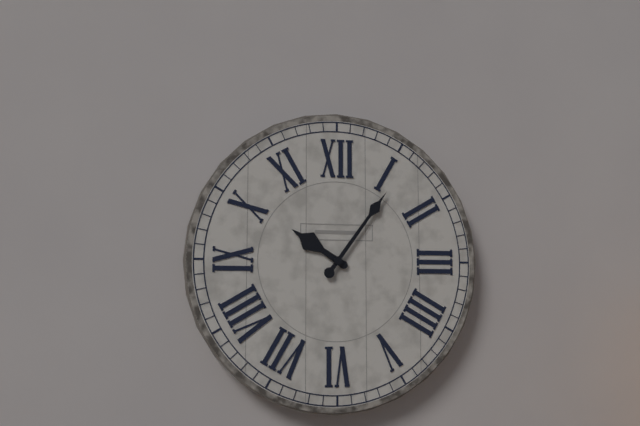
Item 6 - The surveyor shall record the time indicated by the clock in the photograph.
10:06
